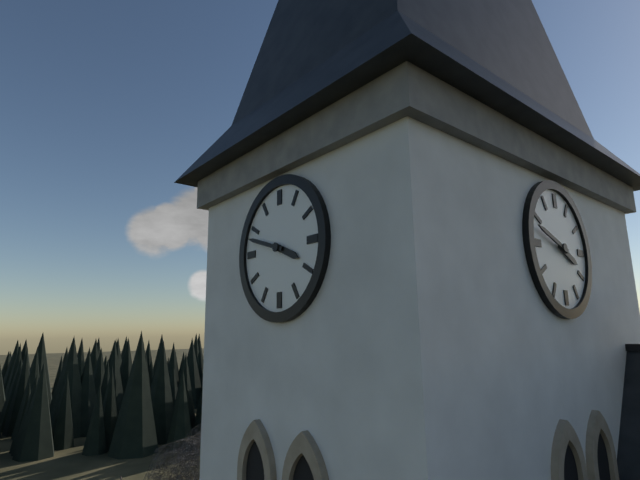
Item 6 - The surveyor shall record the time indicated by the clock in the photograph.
3:48
